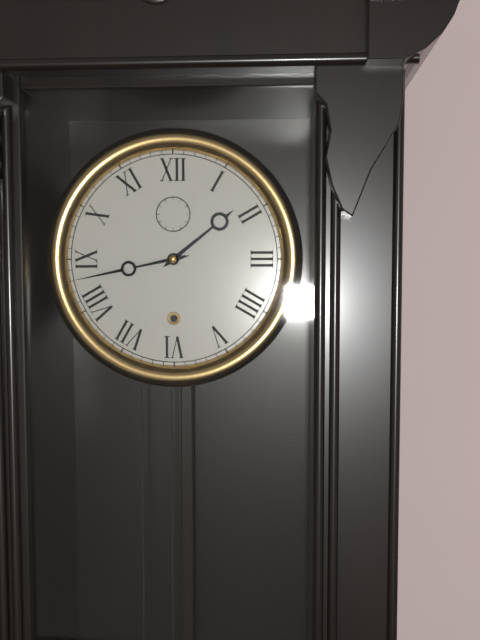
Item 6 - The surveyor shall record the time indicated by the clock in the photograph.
1:43
